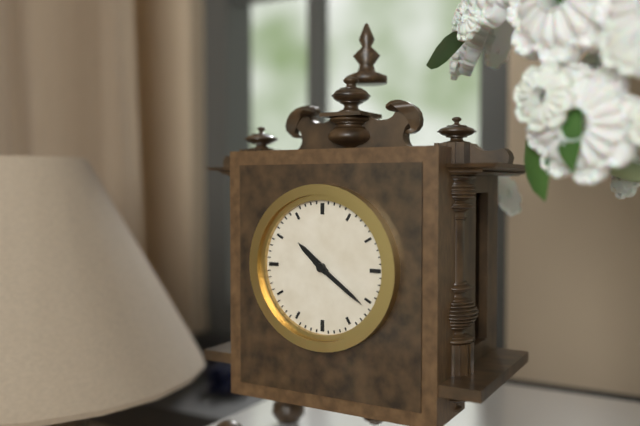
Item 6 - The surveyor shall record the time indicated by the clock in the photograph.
10:21
